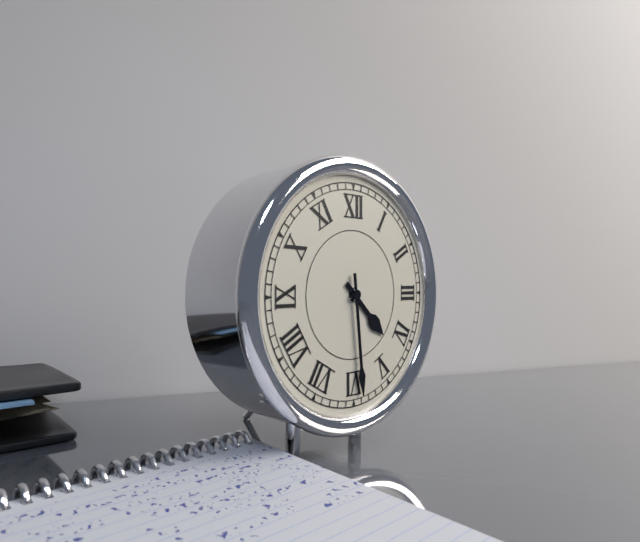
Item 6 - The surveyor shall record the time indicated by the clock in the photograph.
4:29
